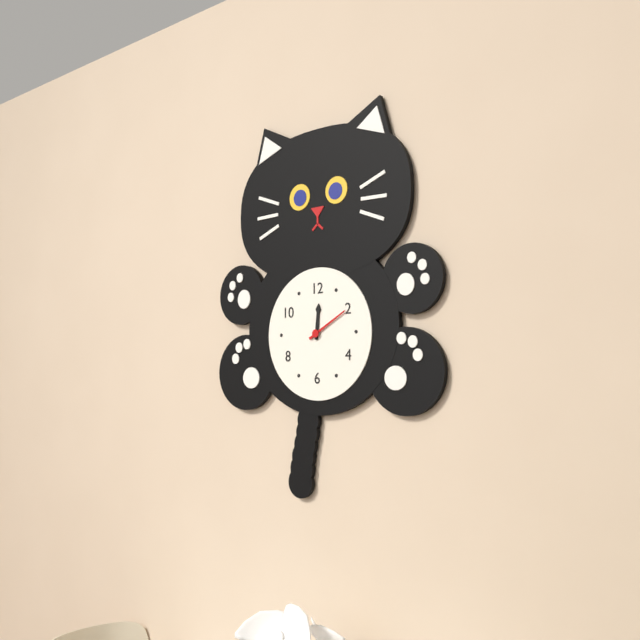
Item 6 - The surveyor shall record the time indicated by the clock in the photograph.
12:10
